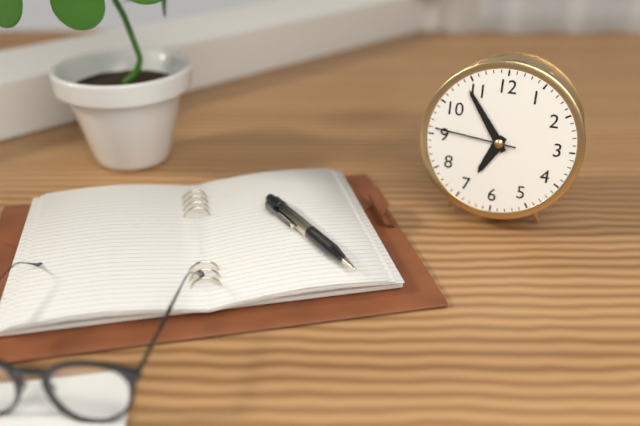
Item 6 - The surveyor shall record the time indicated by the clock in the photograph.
6:54:46
